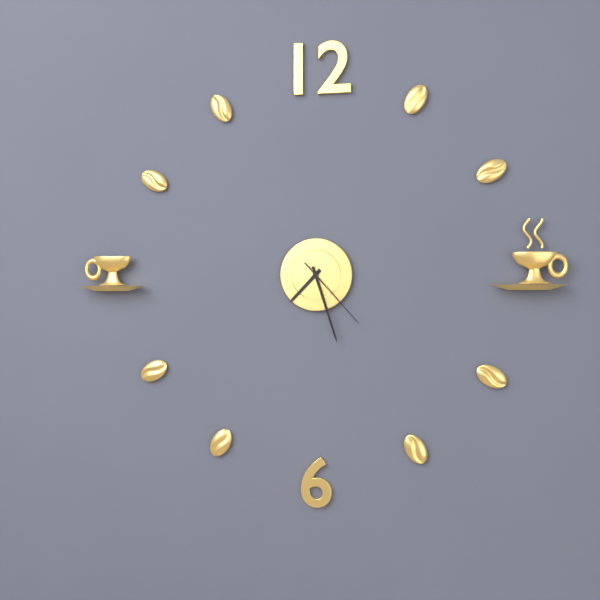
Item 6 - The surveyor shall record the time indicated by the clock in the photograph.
7:27:23
